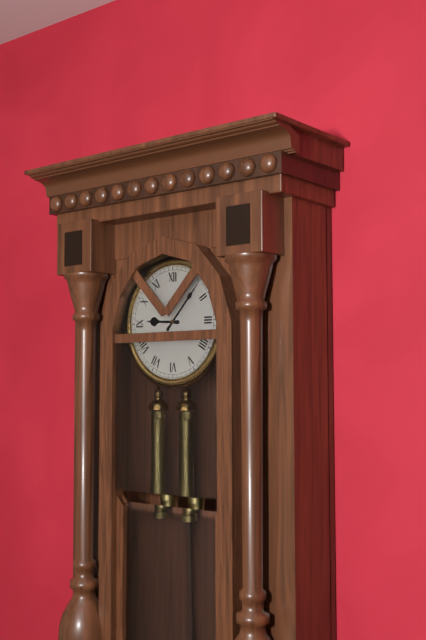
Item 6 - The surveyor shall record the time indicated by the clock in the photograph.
9:07
